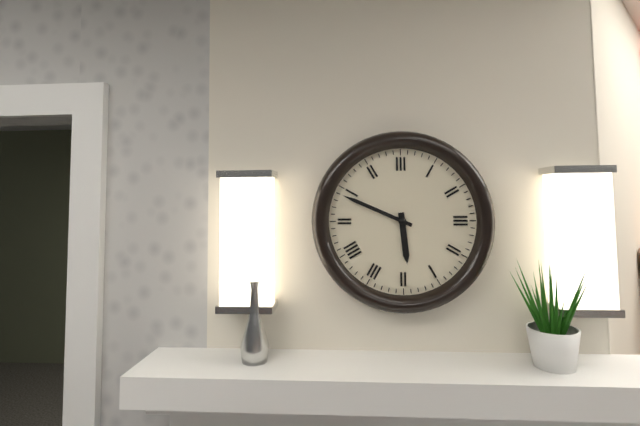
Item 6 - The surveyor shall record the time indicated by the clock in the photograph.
5:49
